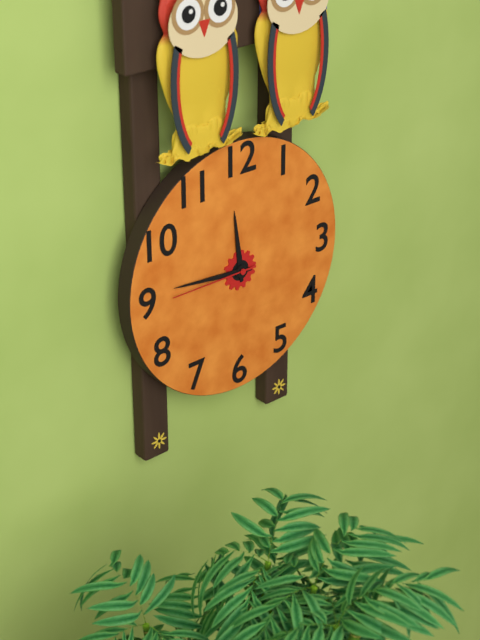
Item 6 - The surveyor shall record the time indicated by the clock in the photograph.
11:46:45
